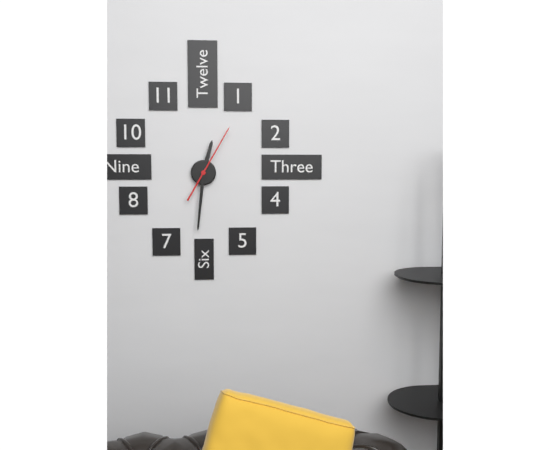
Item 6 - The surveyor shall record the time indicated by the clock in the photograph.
12:31:05
